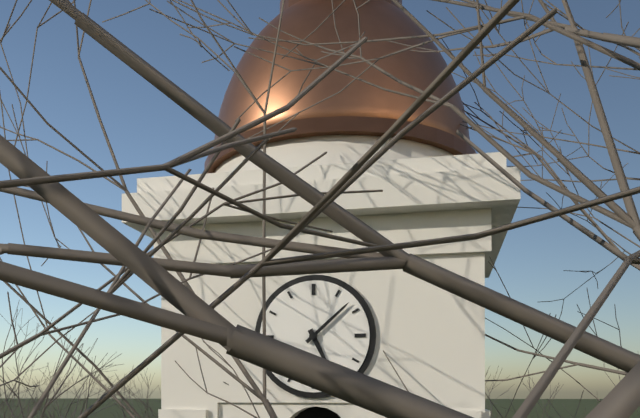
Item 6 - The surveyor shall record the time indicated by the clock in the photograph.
5:08
